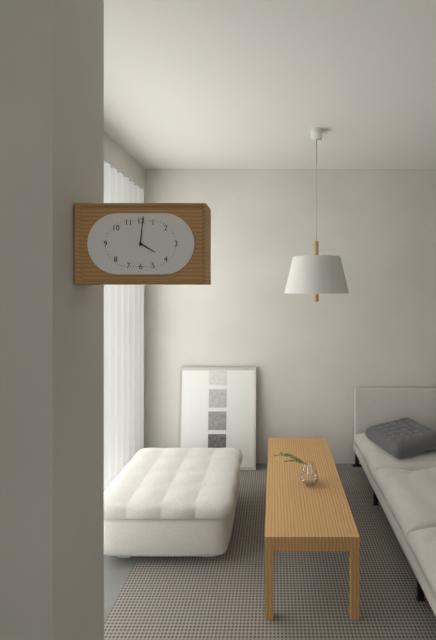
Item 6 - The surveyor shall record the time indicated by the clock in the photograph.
4:01
